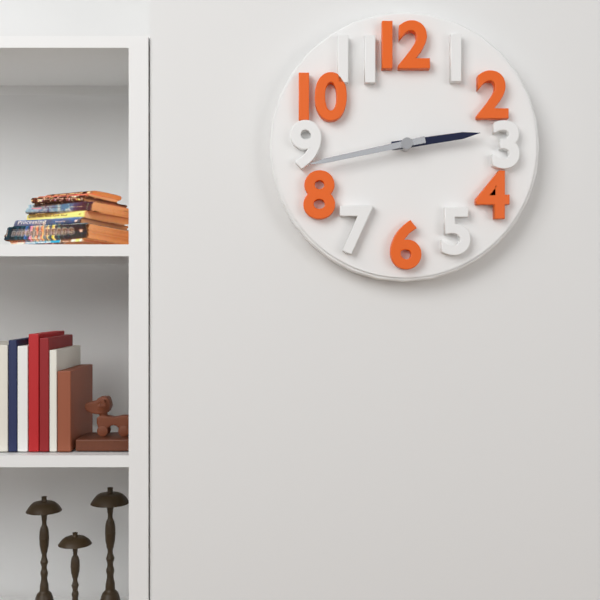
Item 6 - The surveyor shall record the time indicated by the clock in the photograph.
2:43
